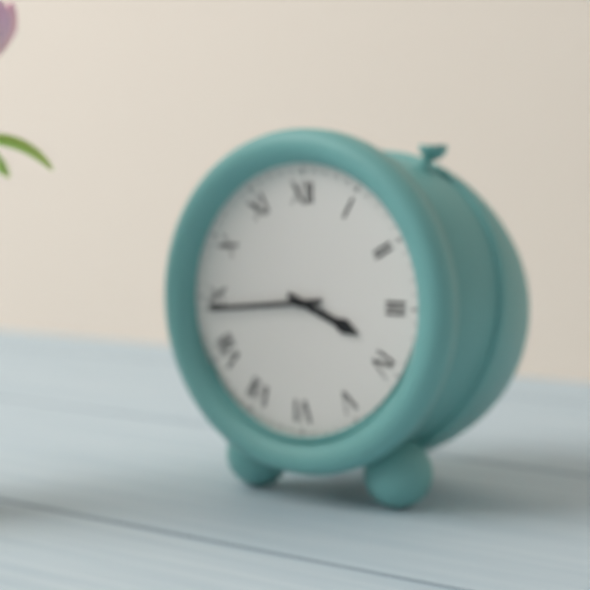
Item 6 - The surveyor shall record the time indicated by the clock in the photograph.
3:44
